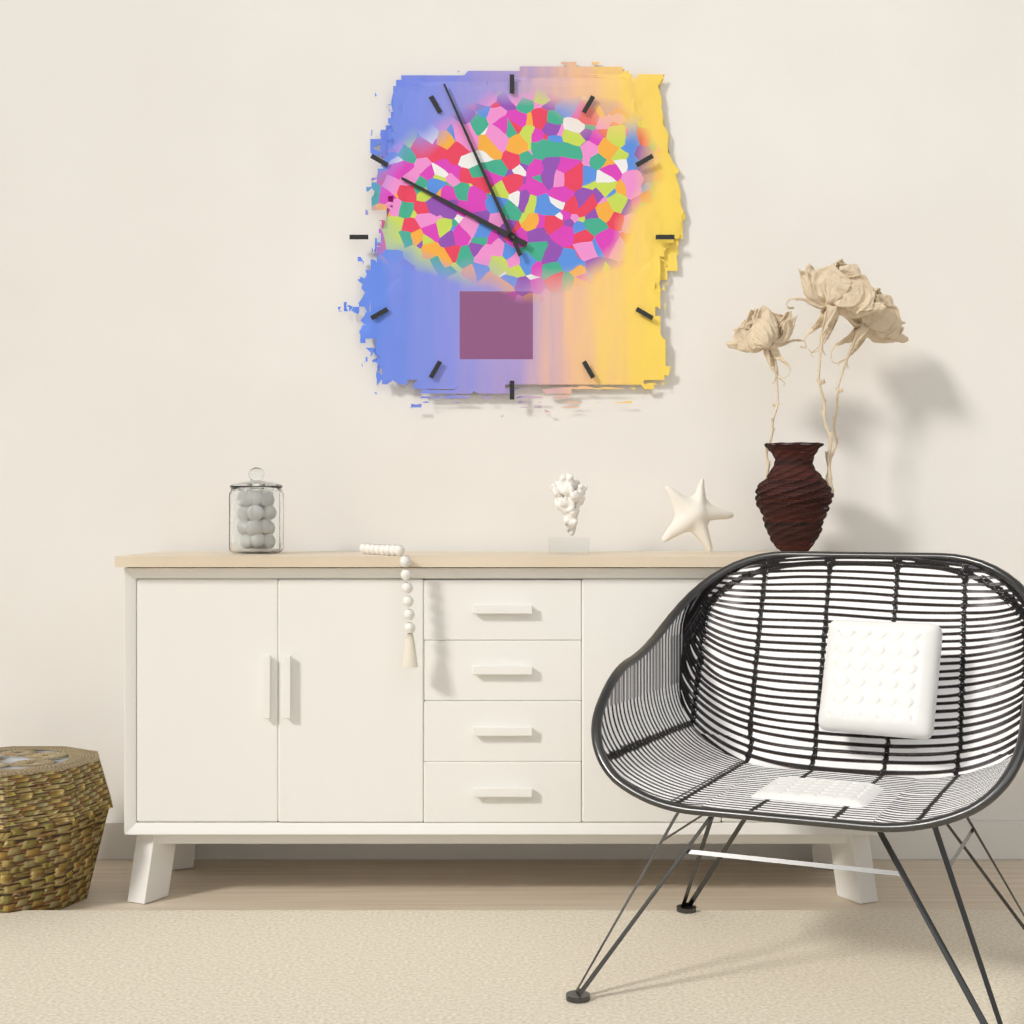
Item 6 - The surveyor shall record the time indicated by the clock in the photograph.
9:56
